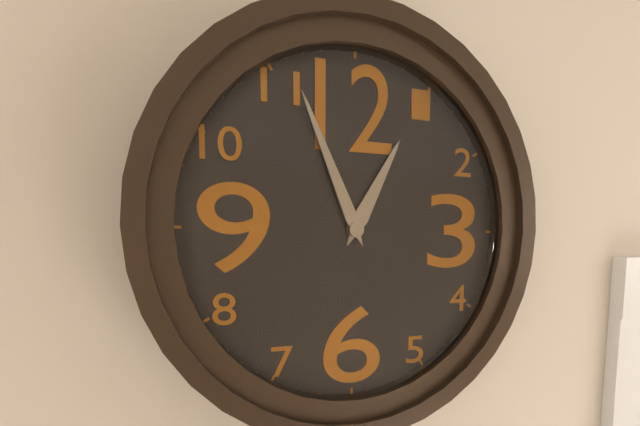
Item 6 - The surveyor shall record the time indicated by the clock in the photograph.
12:56
